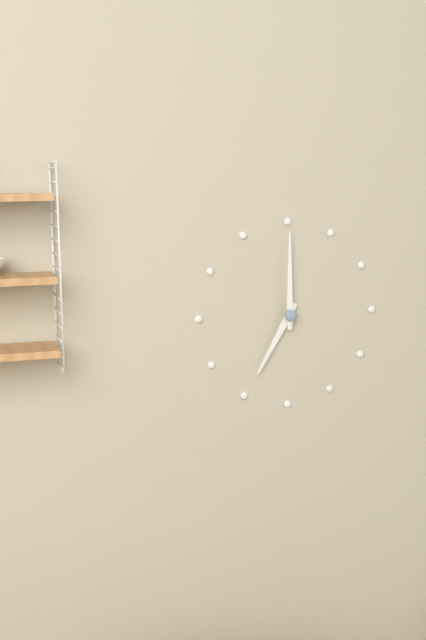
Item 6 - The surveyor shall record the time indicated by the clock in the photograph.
7:00
